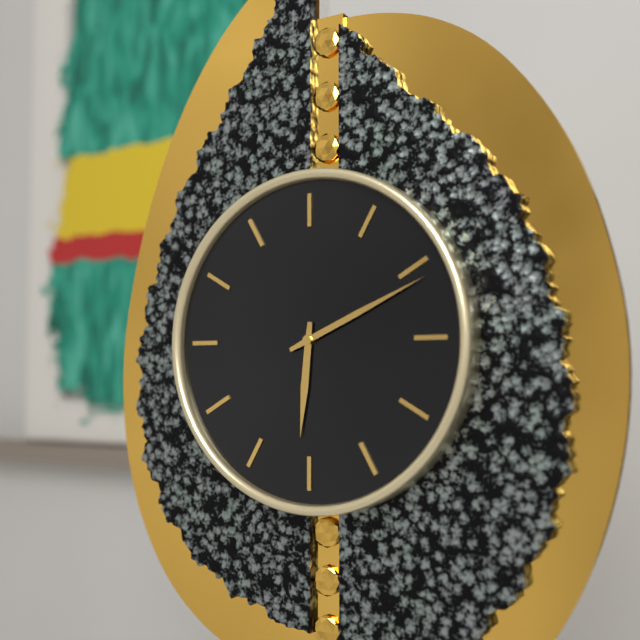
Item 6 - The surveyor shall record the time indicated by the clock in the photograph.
6:11
